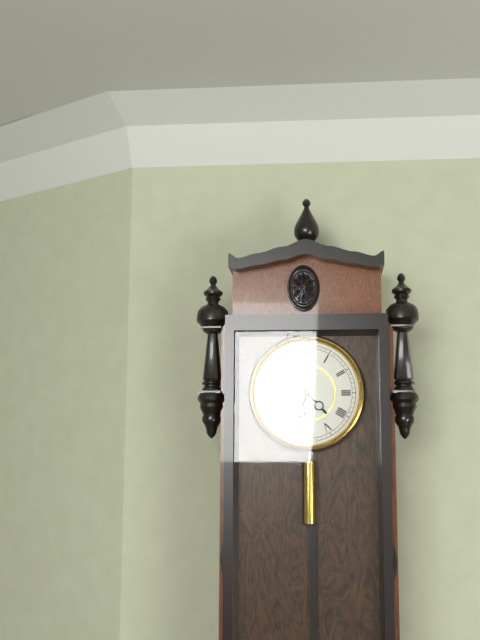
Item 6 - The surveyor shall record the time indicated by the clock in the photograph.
4:33
